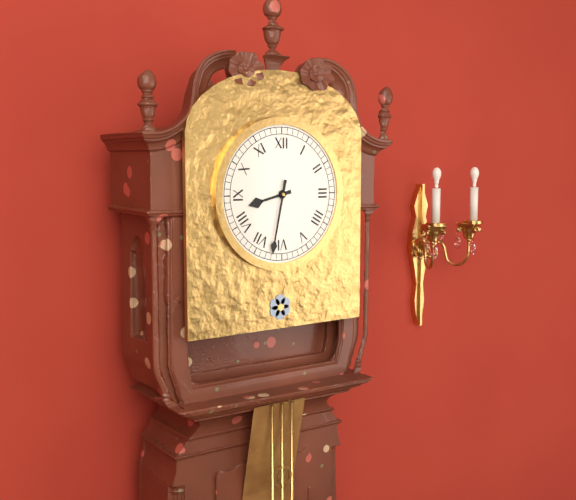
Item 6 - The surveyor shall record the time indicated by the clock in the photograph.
8:32
